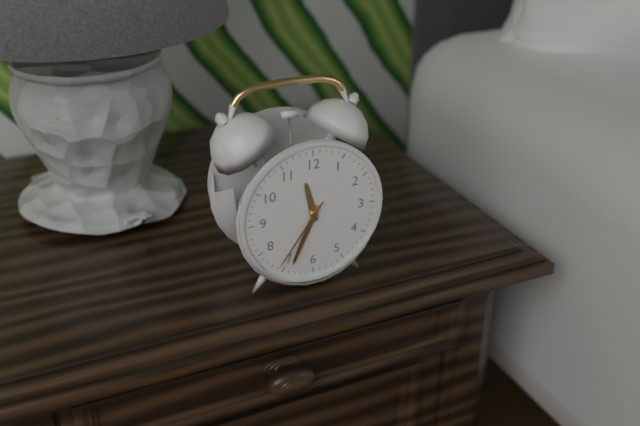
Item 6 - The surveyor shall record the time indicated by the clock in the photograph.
11:34:36
